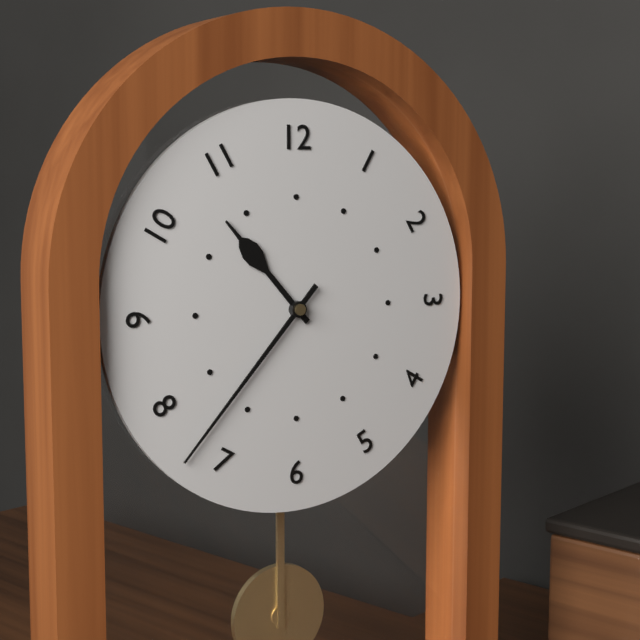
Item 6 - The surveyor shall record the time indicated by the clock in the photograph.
10:37
